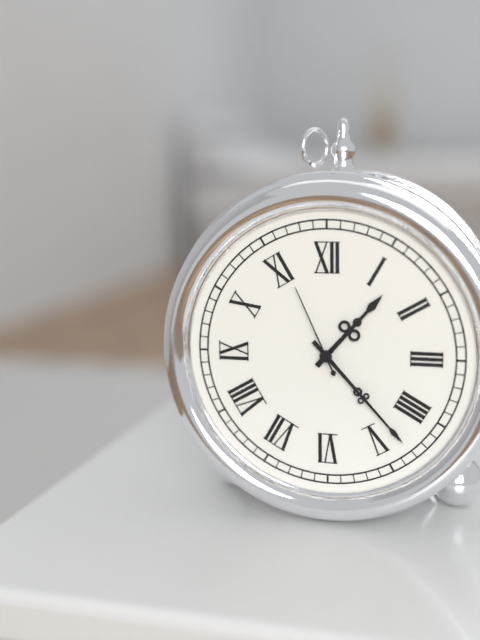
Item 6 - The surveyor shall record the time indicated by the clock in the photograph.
1:23:56
